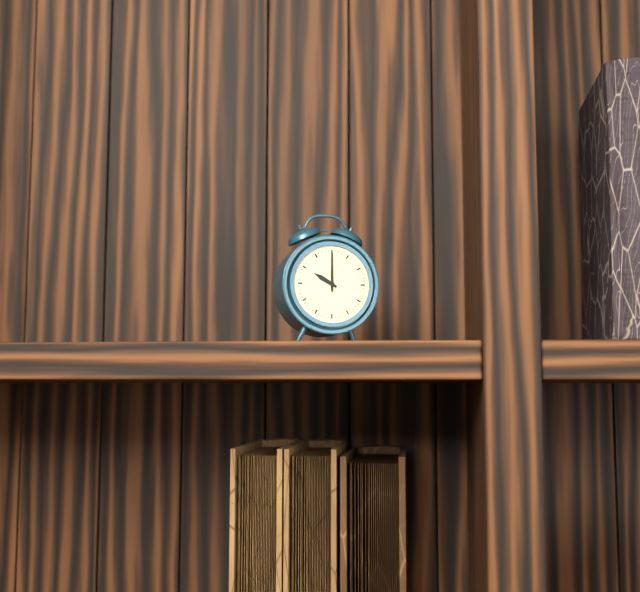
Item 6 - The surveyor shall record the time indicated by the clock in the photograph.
10:00
